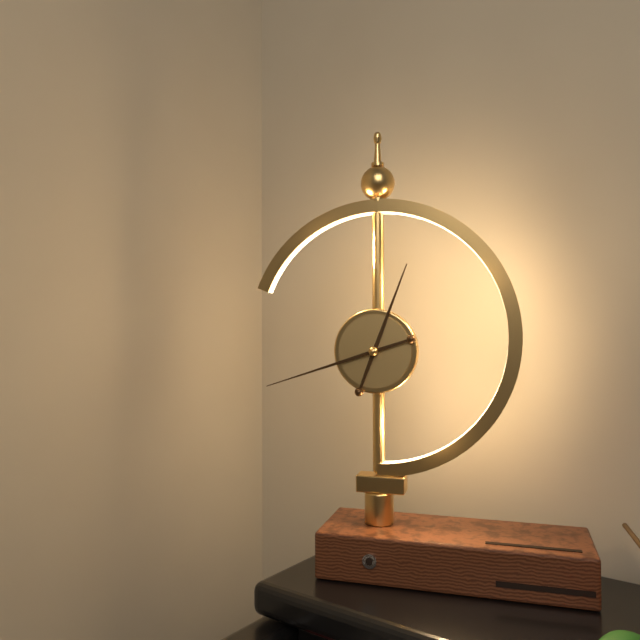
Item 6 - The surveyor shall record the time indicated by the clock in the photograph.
12:42
